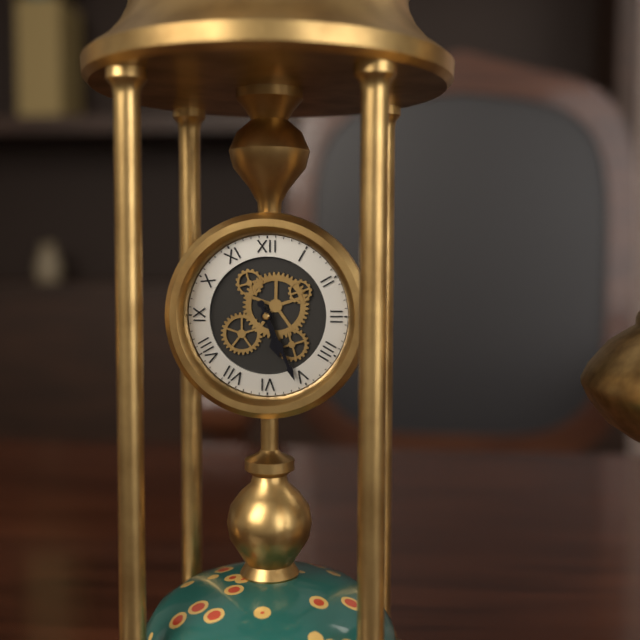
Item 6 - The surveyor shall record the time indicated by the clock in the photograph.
5:26
